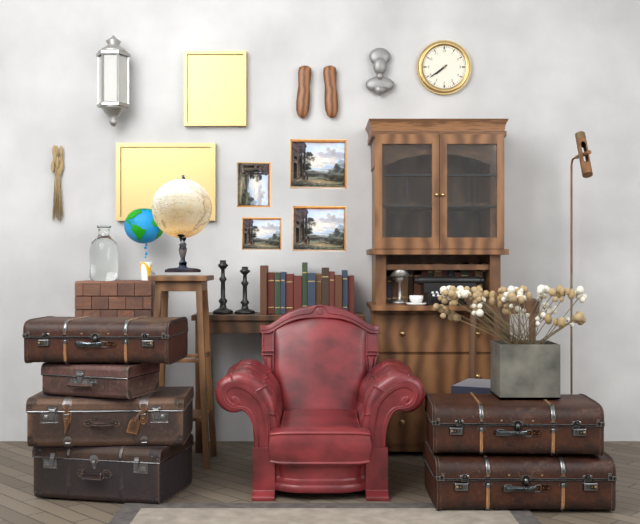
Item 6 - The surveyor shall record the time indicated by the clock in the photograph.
7:39
